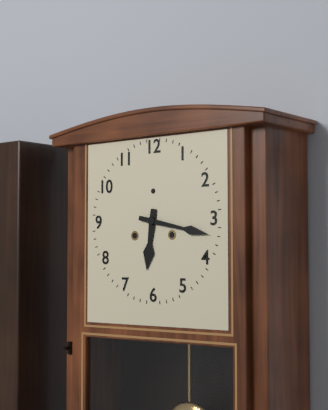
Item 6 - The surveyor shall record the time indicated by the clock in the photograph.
6:17
